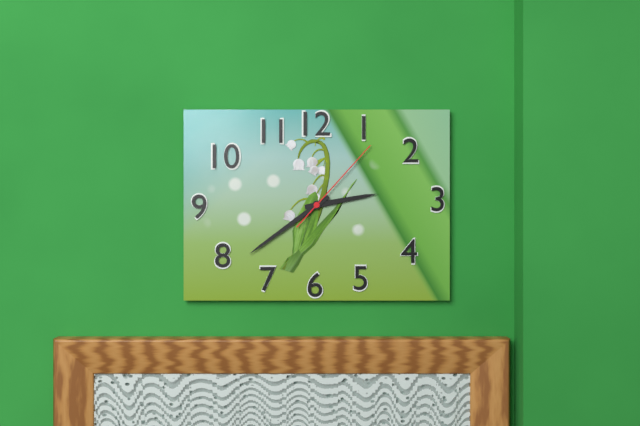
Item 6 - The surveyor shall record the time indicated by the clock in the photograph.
2:39:07
